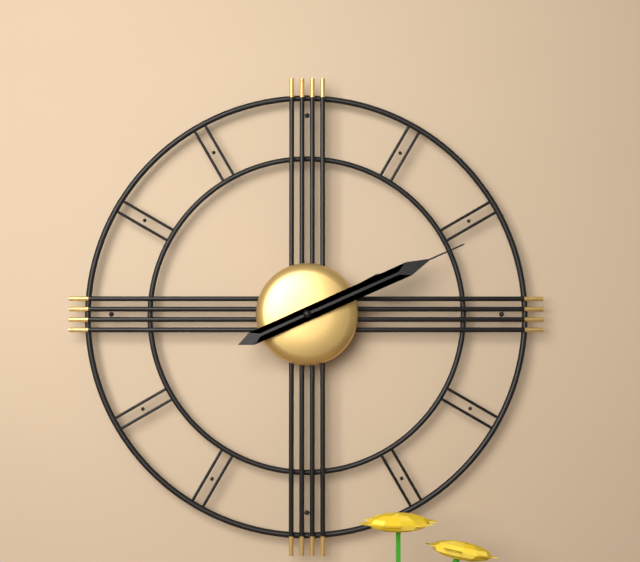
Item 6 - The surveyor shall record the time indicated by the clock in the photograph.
2:11
